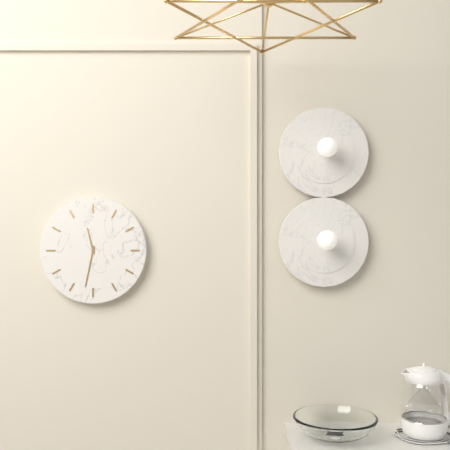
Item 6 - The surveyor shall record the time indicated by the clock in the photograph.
11:32
